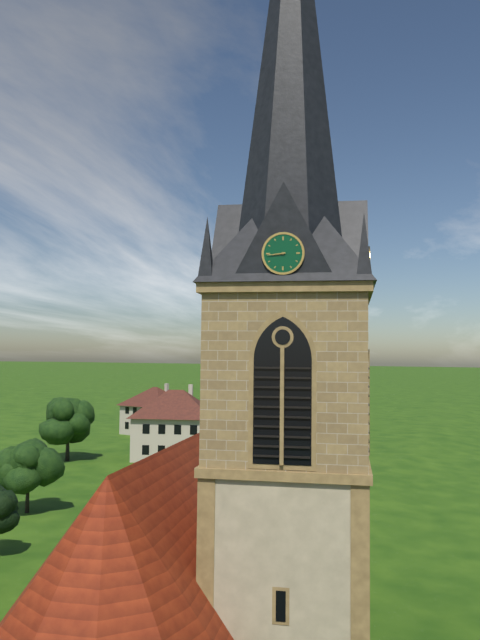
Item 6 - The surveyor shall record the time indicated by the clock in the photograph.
8:44
